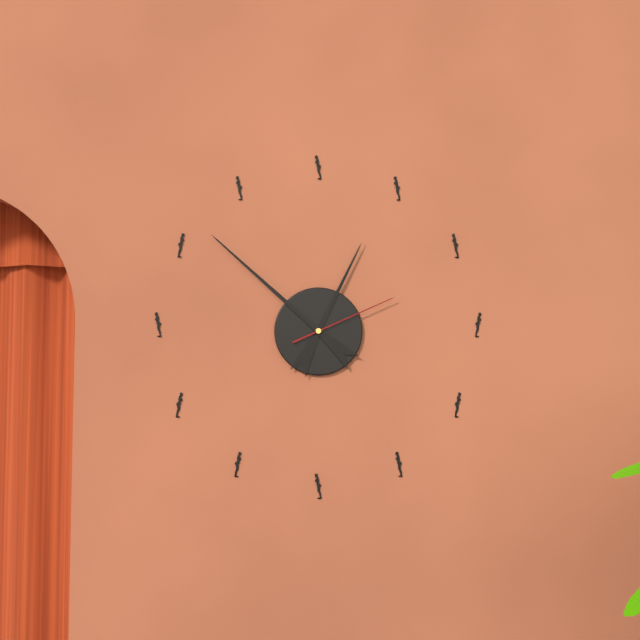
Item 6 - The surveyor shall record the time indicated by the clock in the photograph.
12:52:11
